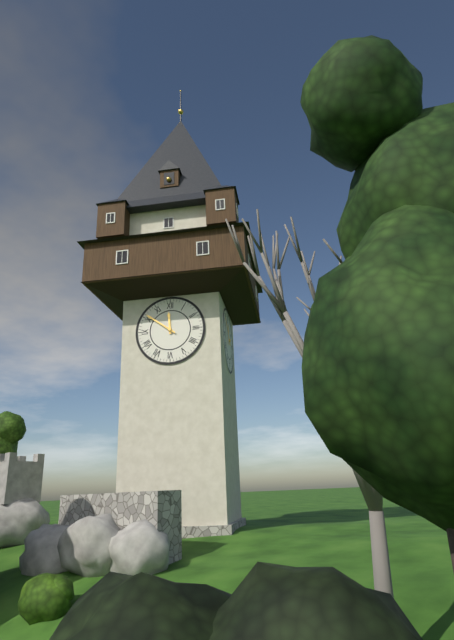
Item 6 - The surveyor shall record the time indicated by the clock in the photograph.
11:51
